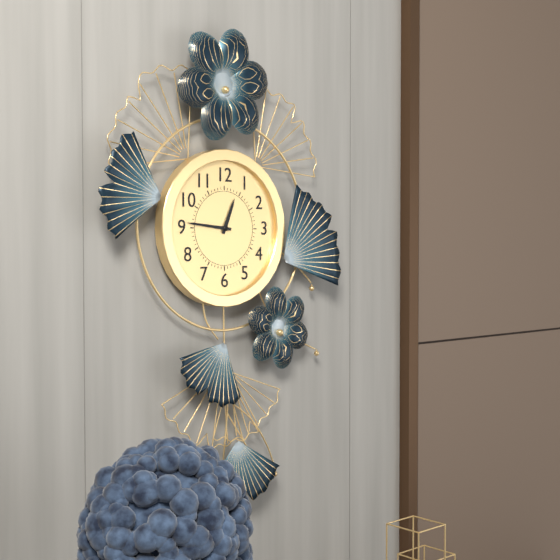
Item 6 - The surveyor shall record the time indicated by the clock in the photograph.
12:46
